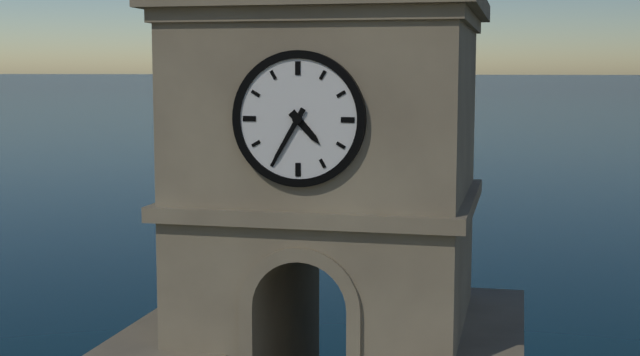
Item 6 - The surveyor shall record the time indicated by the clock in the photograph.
4:35
